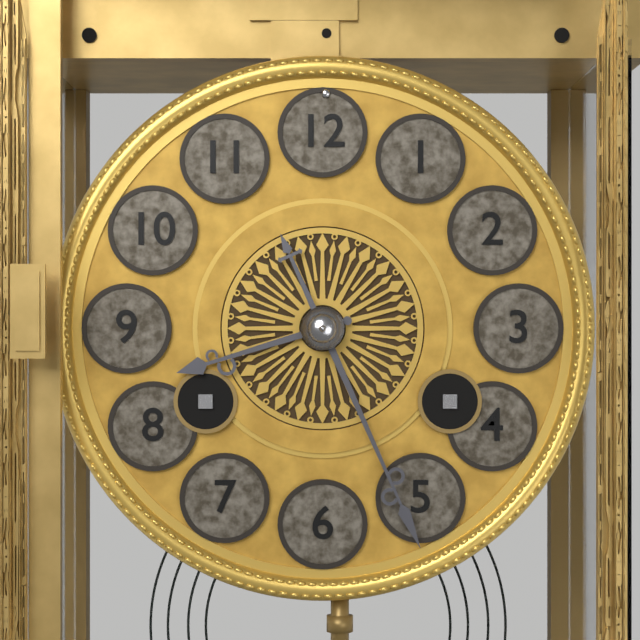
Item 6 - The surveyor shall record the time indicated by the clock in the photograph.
8:26
